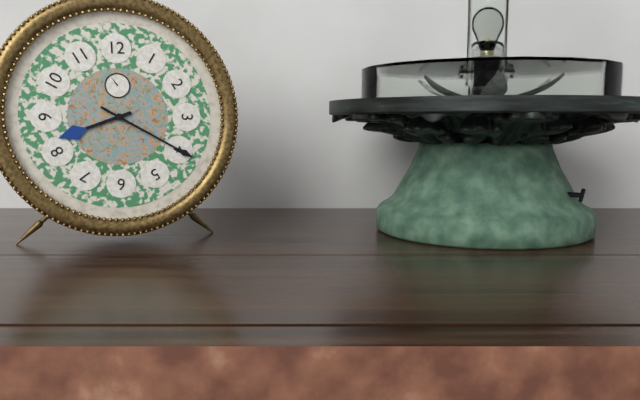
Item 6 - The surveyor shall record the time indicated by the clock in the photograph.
8:20
